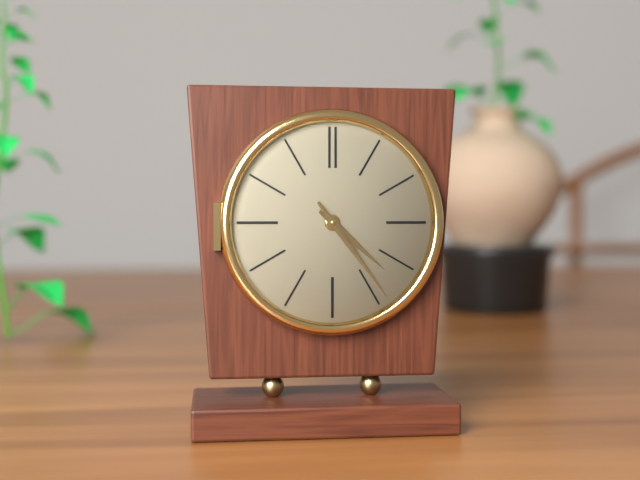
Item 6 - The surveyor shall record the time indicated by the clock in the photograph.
4:24
